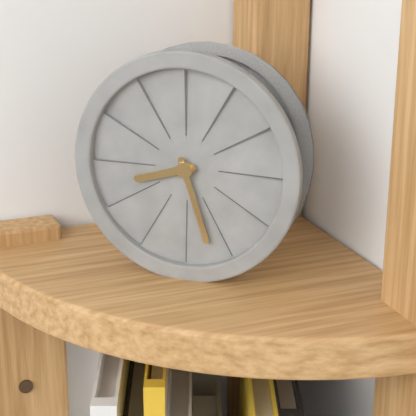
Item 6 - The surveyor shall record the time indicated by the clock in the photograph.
8:27
